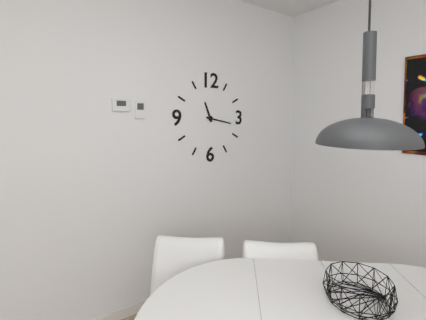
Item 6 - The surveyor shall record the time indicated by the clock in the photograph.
11:17
